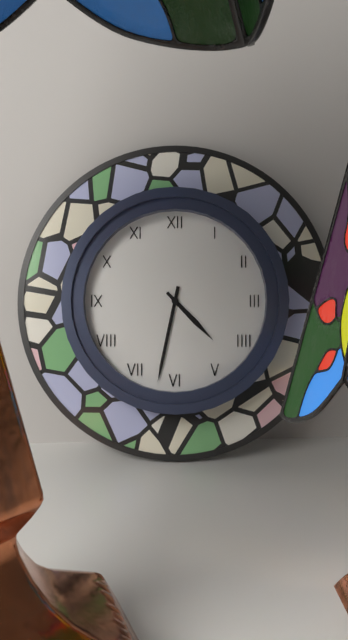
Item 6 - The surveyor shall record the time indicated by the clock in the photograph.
4:32
